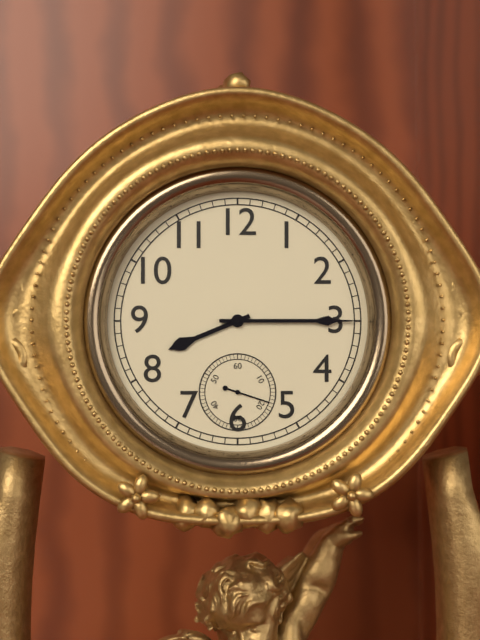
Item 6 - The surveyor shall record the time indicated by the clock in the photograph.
8:15
